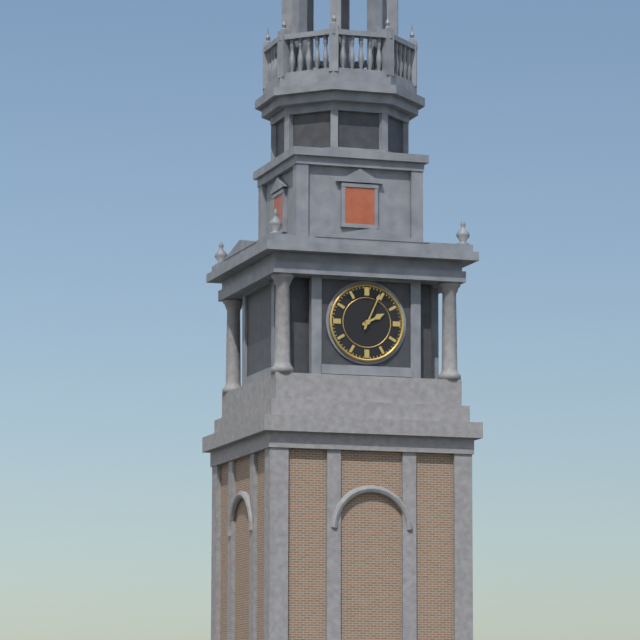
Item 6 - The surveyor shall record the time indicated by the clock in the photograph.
2:04
